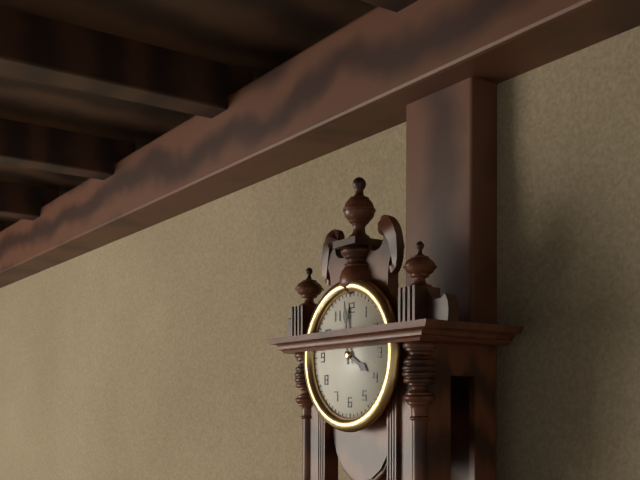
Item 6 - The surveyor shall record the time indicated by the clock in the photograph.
3:59
